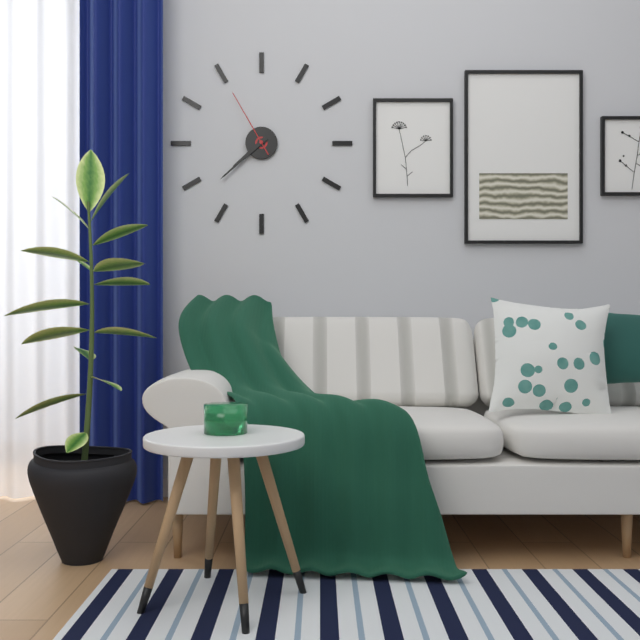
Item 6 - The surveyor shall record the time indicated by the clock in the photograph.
7:38:55
